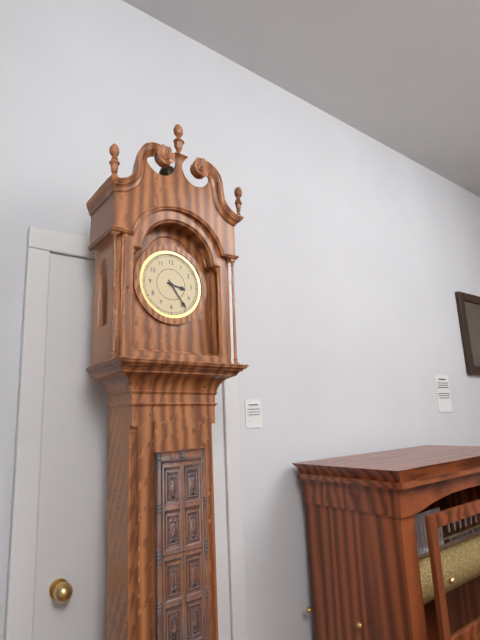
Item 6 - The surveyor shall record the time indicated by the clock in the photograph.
3:24
